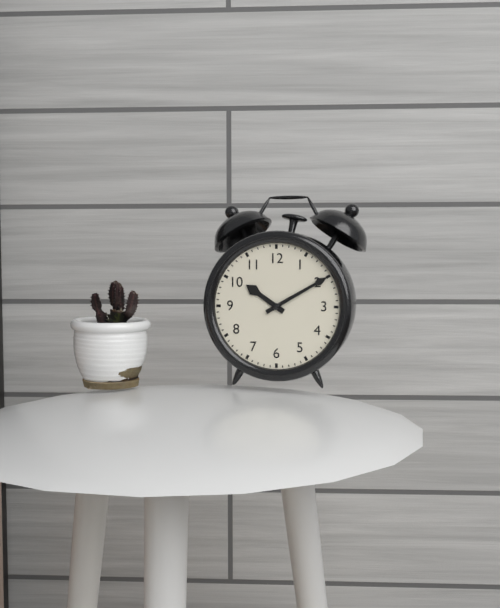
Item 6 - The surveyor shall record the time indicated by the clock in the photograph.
10:10
